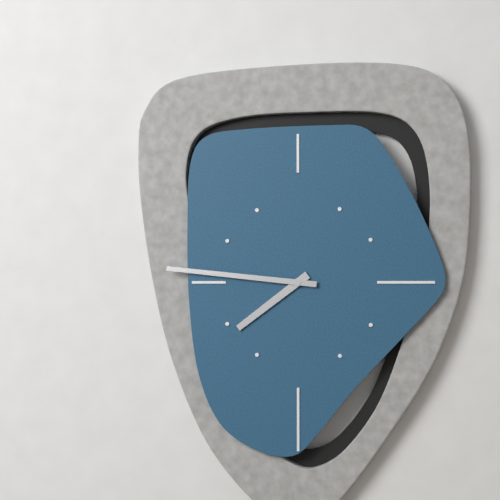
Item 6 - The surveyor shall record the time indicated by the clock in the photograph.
7:46
